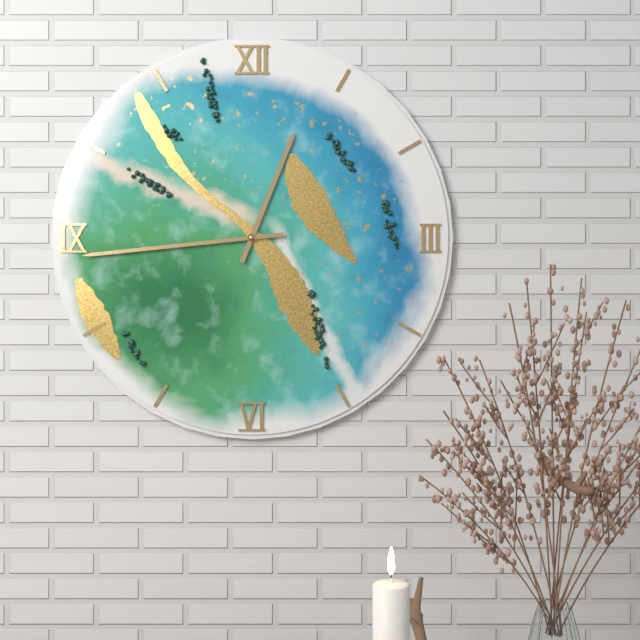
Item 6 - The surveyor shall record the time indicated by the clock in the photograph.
12:44
